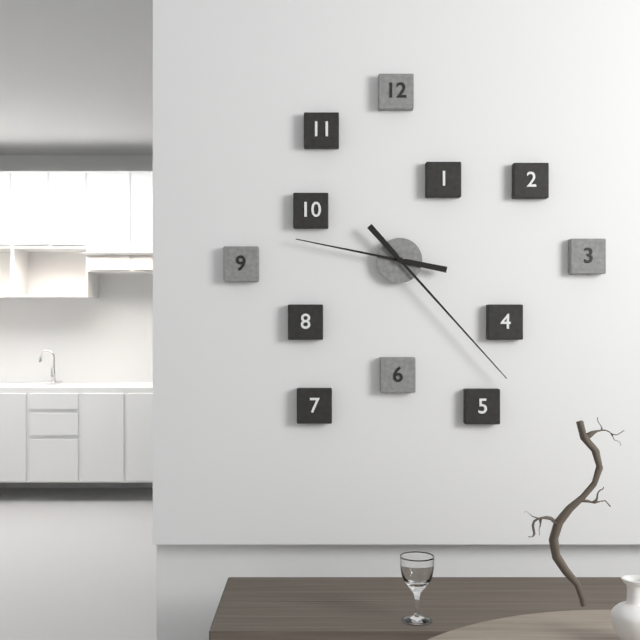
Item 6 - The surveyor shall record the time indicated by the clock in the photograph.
9:23
